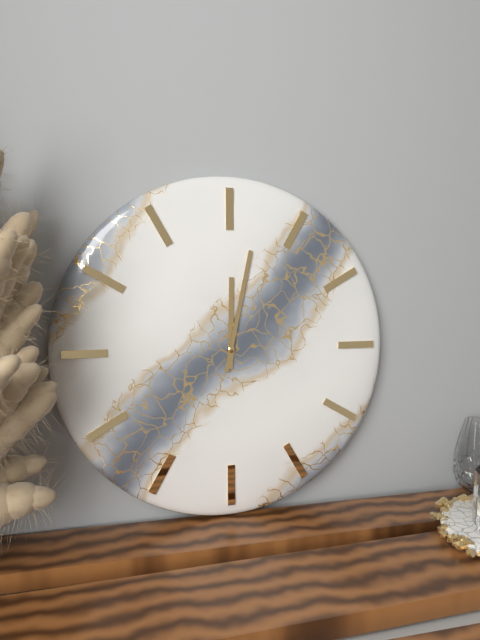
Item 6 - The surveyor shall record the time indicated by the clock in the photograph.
12:02
